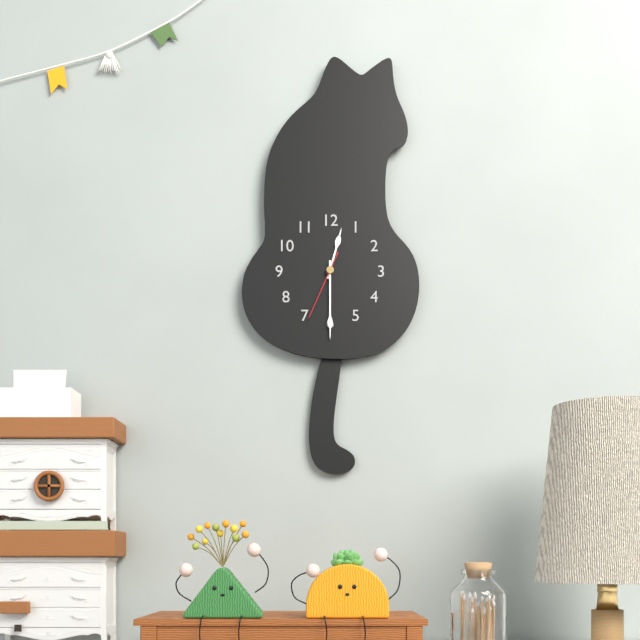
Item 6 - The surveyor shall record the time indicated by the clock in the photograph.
12:30:34
